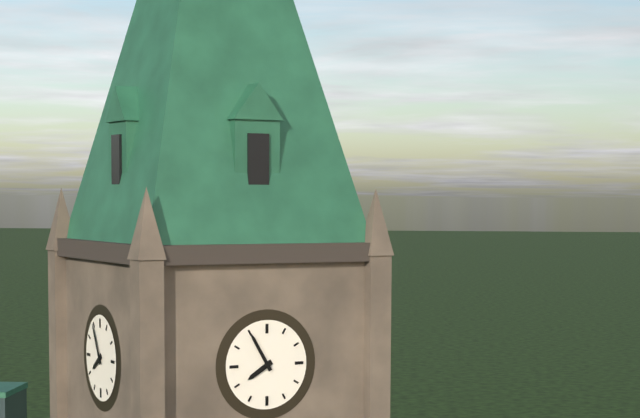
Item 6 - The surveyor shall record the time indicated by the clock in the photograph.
7:55
